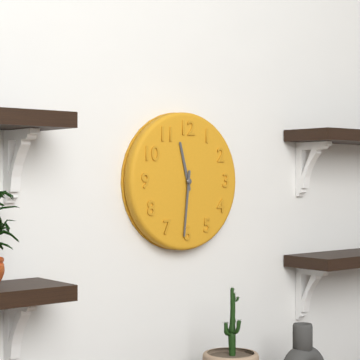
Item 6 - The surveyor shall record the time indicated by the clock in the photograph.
11:31
